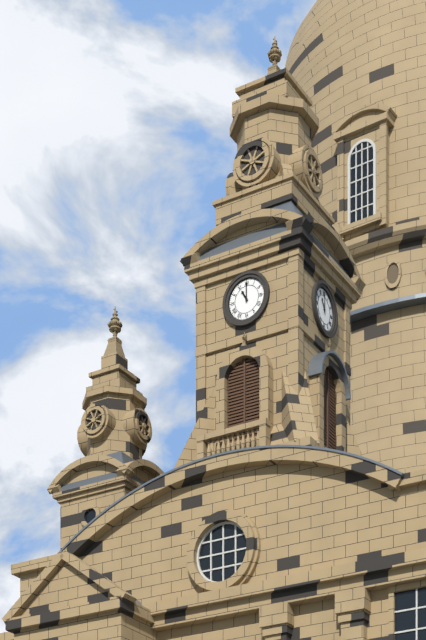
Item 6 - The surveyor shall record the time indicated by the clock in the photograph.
11:00
